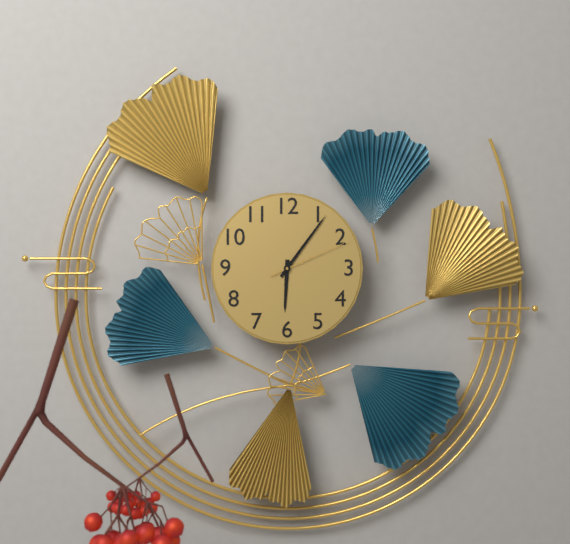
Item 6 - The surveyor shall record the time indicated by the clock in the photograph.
6:06:11
